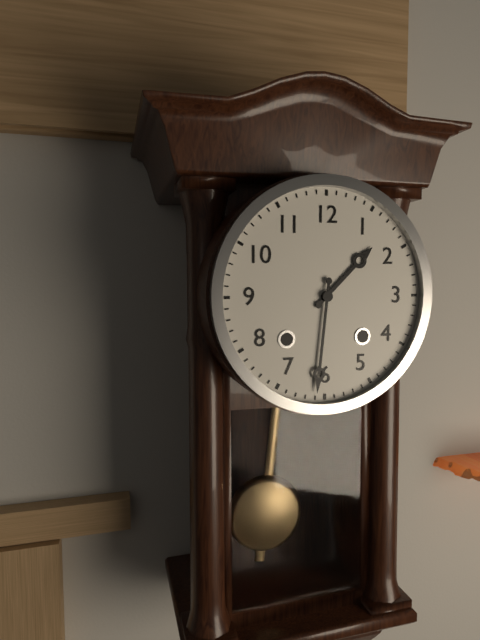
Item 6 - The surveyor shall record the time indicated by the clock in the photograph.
1:31
